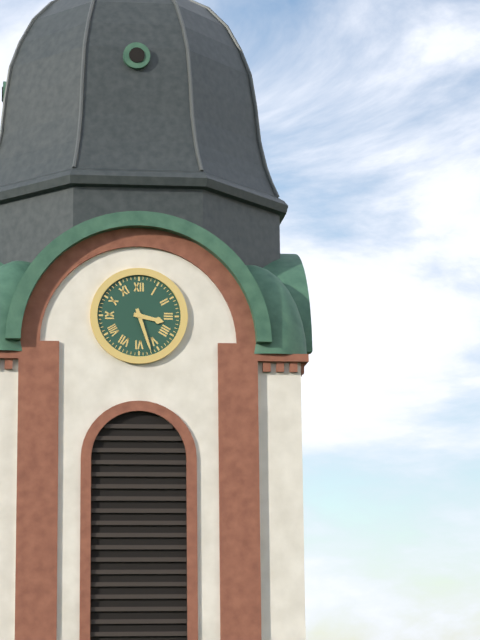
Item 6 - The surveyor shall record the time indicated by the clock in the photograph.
3:27
